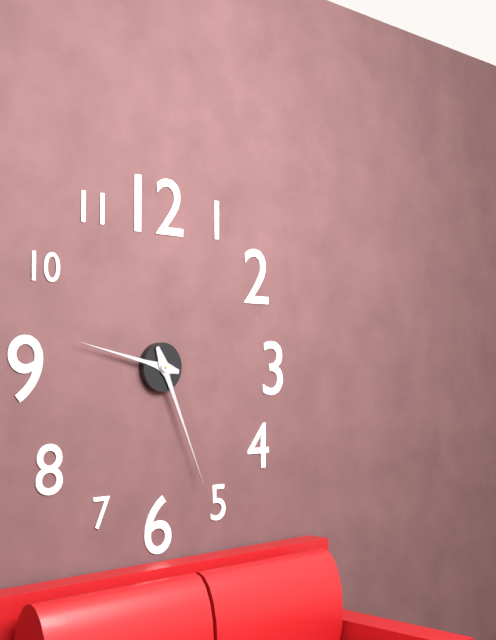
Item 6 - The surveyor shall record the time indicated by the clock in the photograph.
9:26
